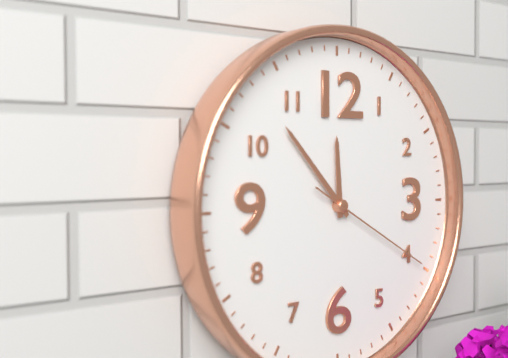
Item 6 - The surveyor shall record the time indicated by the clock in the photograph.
11:53:20
